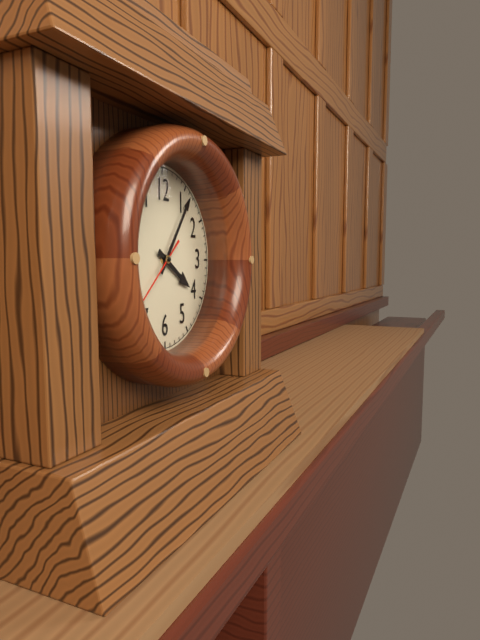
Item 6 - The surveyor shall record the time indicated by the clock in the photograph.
4:06
